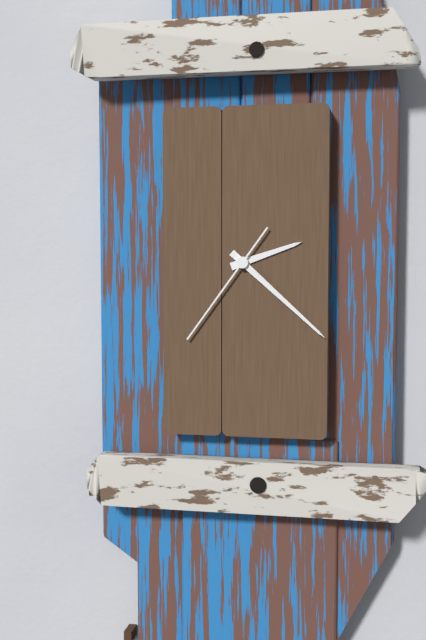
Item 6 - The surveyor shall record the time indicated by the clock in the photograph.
2:22:36
